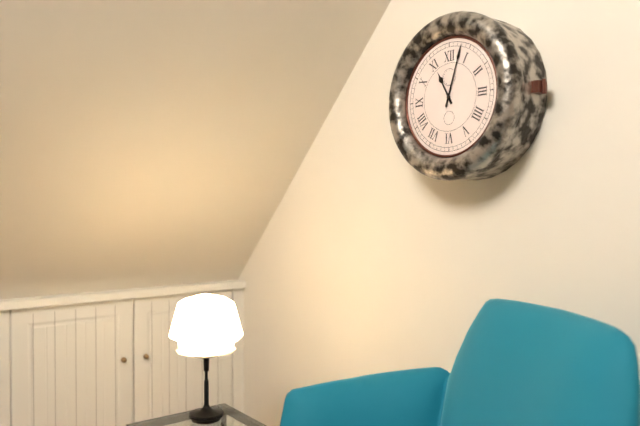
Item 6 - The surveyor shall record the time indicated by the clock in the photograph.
11:03
